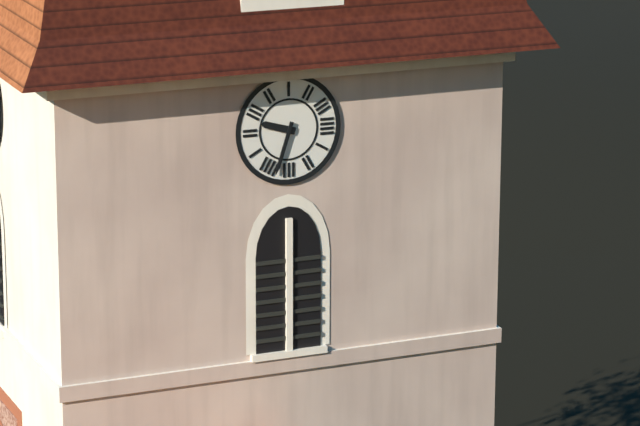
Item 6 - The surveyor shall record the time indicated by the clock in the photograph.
9:33
